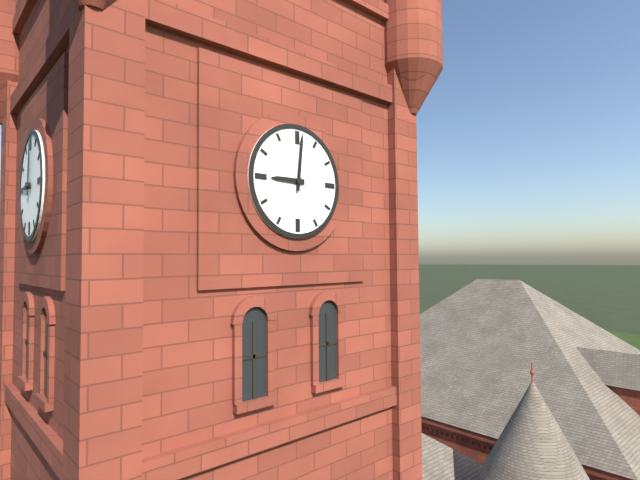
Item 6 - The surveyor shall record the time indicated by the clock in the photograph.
9:01
